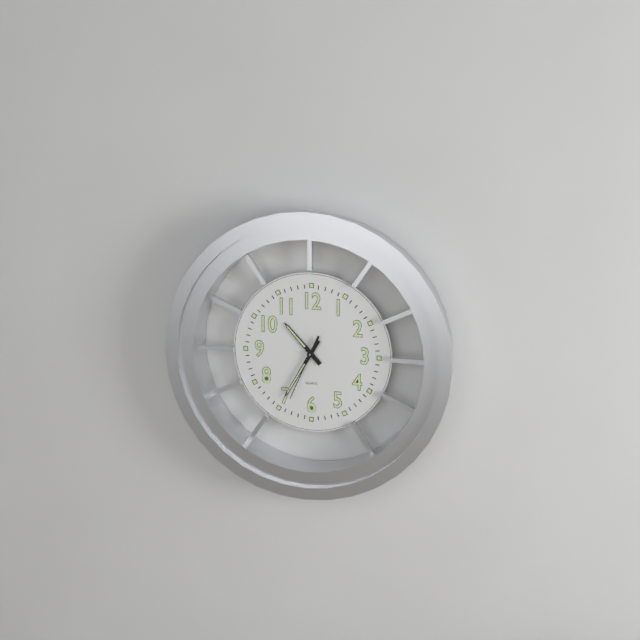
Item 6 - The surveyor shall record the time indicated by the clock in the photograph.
10:35:34
